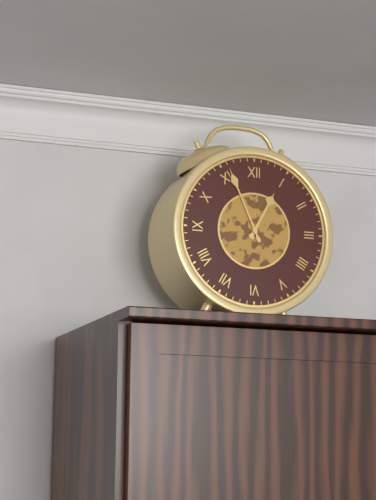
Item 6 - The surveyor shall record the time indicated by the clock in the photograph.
12:56
